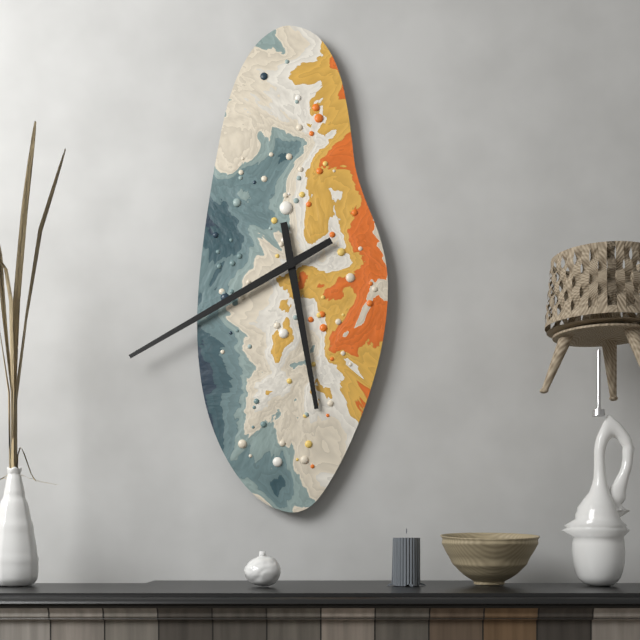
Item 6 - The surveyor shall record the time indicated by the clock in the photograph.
5:40
